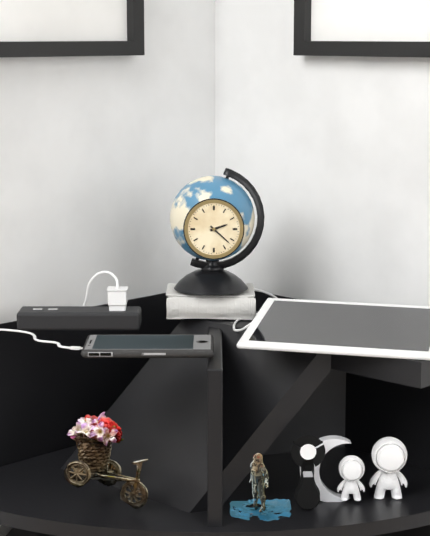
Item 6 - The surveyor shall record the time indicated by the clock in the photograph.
2:22
